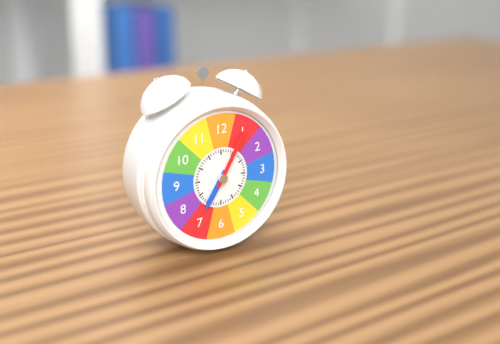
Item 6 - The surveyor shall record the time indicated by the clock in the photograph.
7:05
